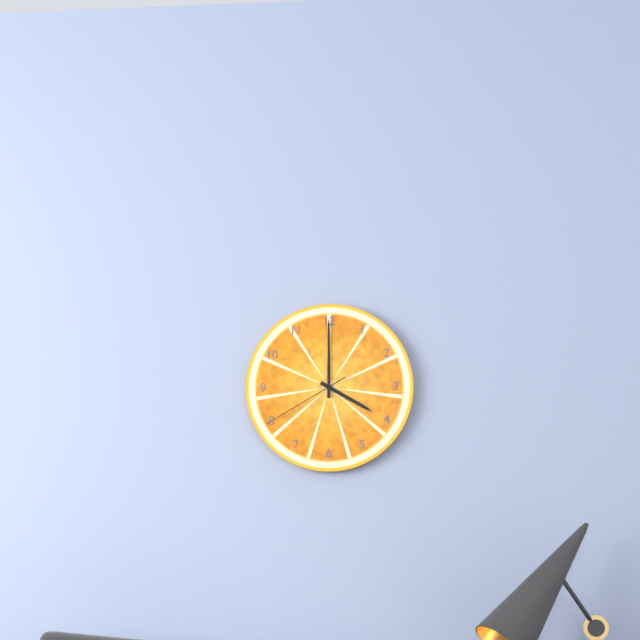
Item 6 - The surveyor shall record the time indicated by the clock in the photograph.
4:00:40
